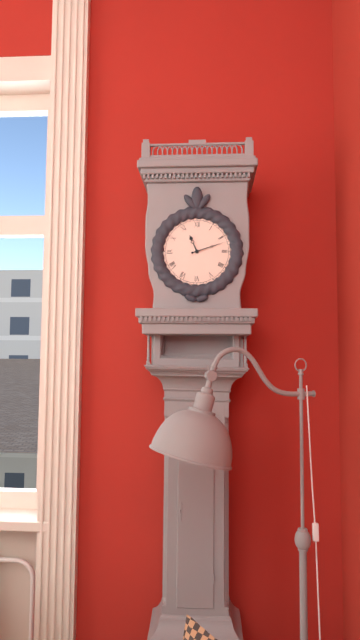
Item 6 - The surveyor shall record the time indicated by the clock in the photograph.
11:12
